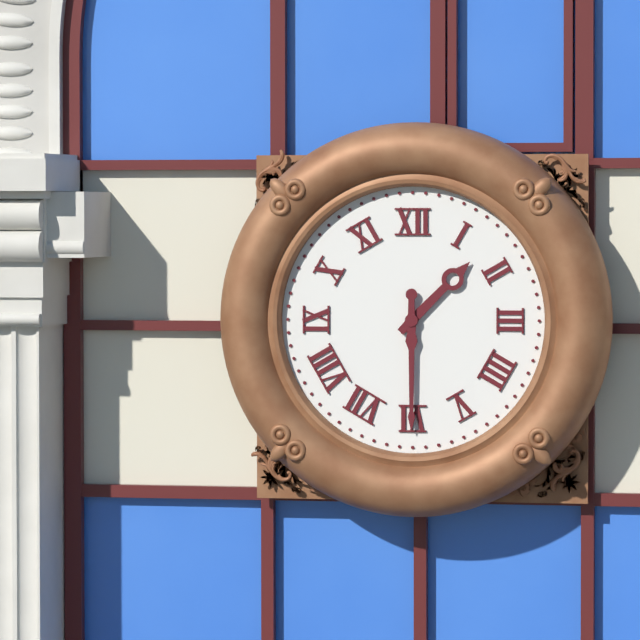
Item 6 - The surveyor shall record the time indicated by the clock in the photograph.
1:30
